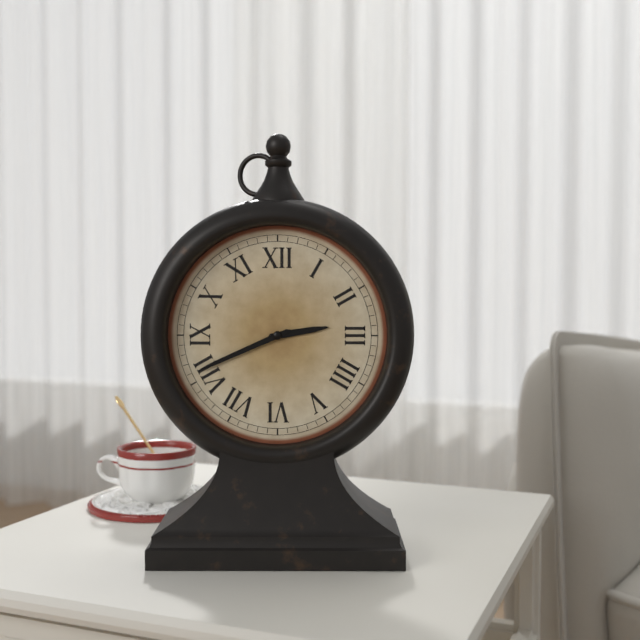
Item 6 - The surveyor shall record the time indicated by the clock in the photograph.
2:41
